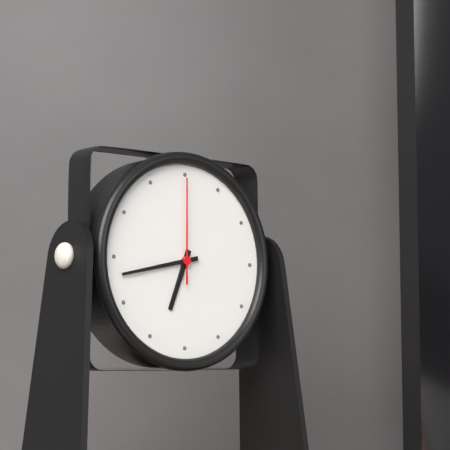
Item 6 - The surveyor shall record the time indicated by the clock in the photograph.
6:43:00
